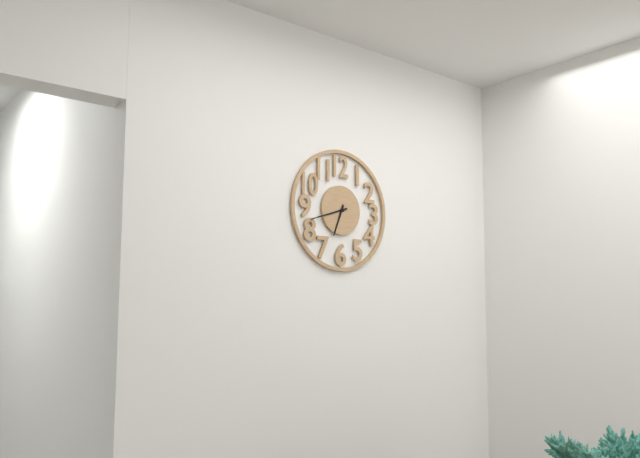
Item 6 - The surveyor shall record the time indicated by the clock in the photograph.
6:42
